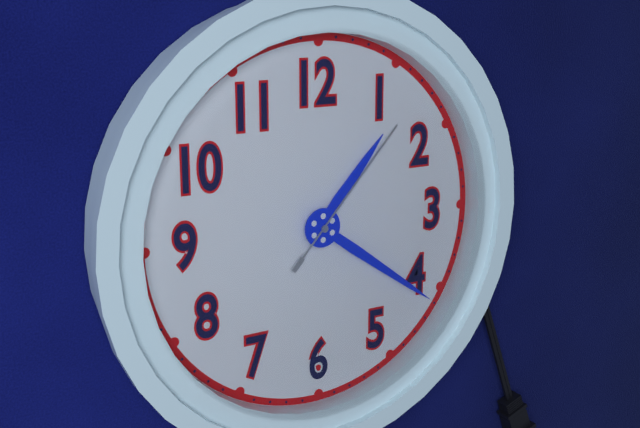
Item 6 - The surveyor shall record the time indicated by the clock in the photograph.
1:21:07
